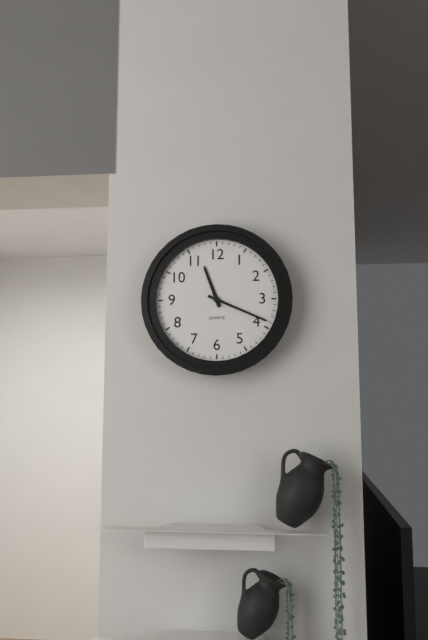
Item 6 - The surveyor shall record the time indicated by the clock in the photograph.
11:19
